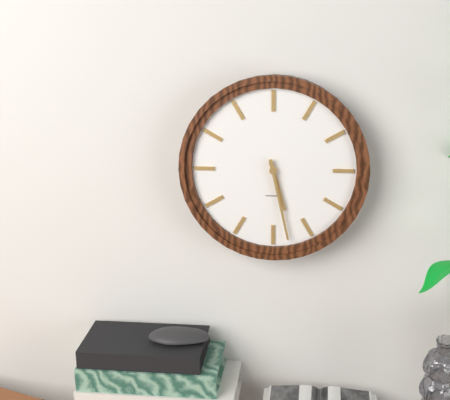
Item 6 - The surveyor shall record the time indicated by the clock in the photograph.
5:28
